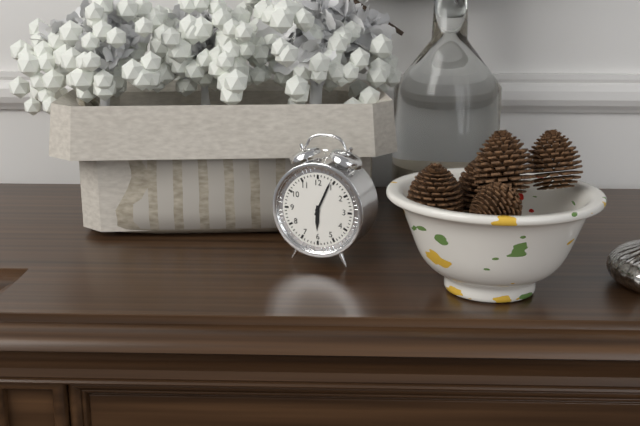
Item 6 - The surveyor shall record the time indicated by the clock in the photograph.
6:04
